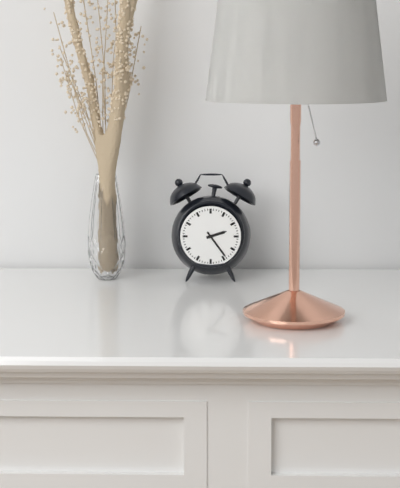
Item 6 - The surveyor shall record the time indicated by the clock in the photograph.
2:24
